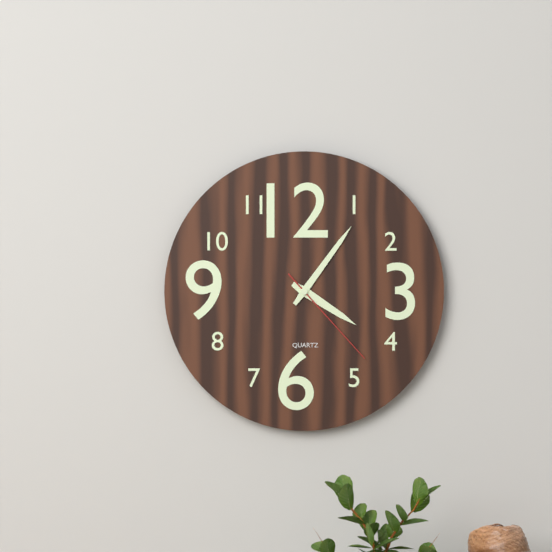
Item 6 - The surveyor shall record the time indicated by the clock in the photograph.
4:06:23
